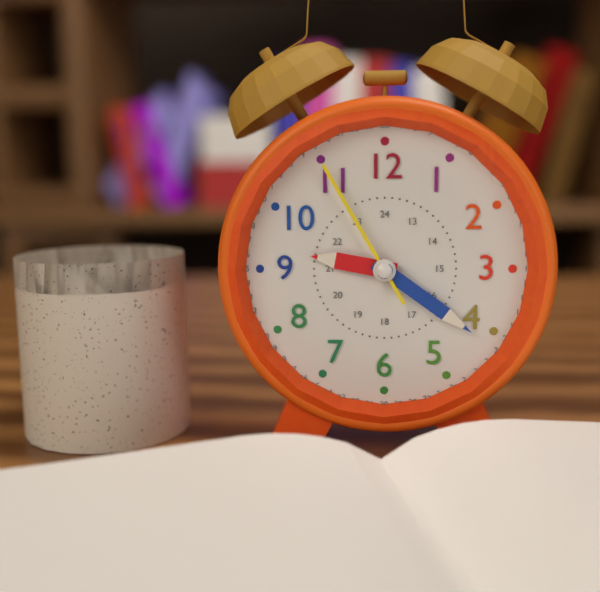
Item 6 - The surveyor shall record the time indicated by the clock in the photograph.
9:21:55
